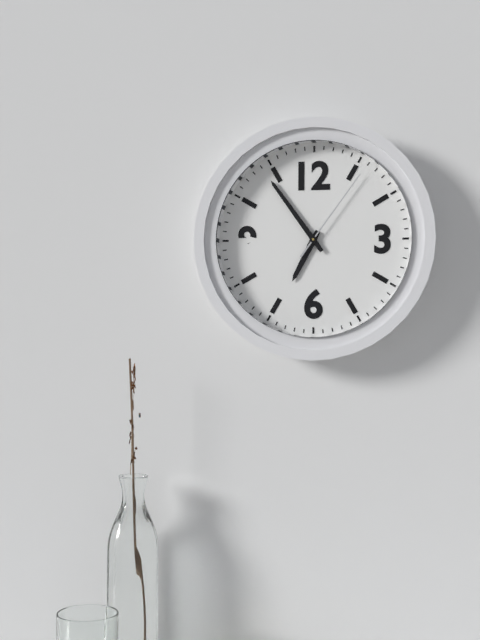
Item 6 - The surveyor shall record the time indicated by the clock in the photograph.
6:54:06
